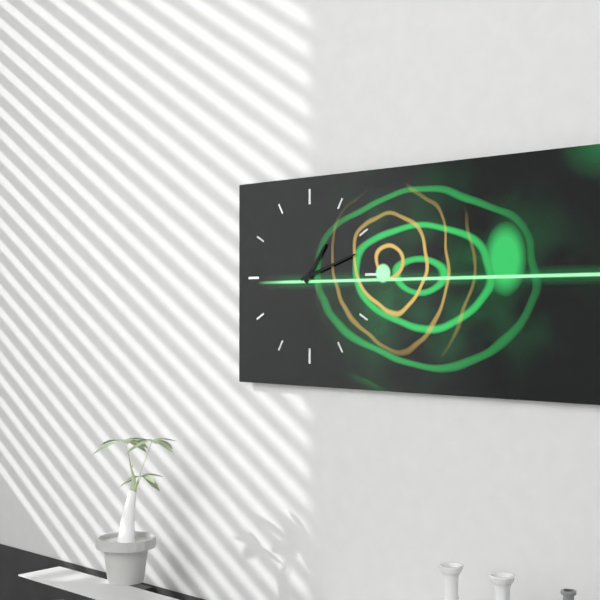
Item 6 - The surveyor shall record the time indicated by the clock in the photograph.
1:12
